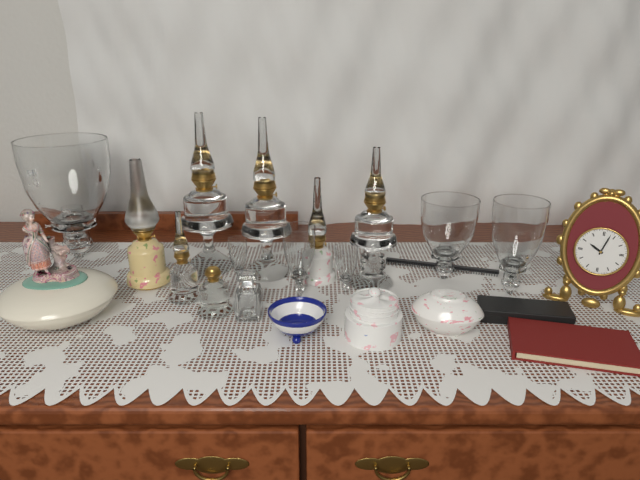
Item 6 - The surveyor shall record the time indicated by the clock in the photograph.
10:03
